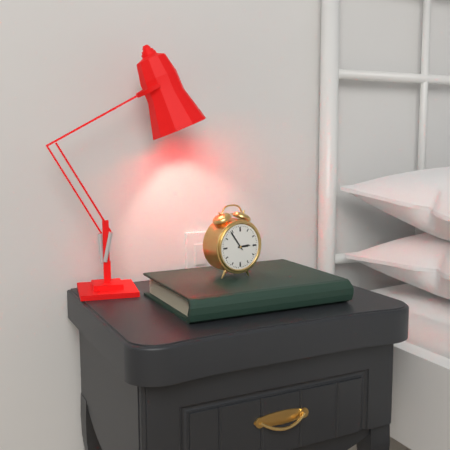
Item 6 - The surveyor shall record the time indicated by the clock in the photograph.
2:54
